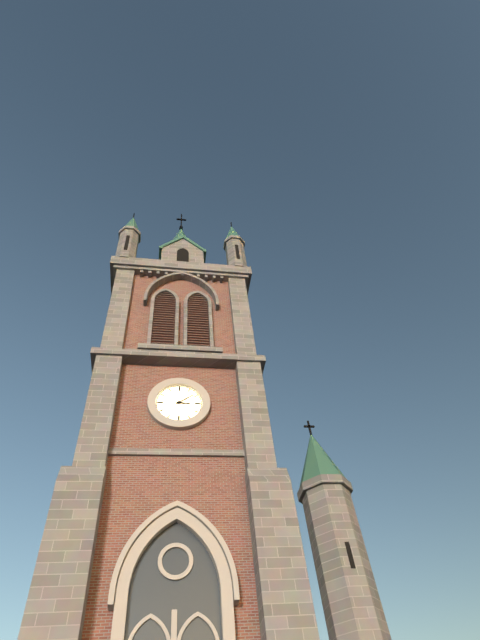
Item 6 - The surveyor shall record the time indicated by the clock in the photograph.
3:09
